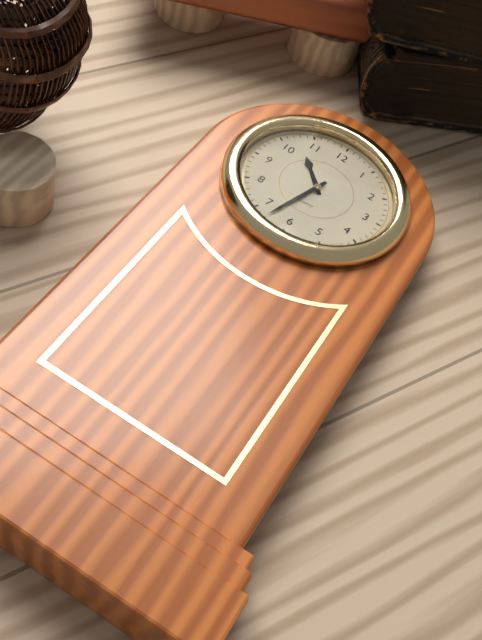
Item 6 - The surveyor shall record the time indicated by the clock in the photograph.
10:33
